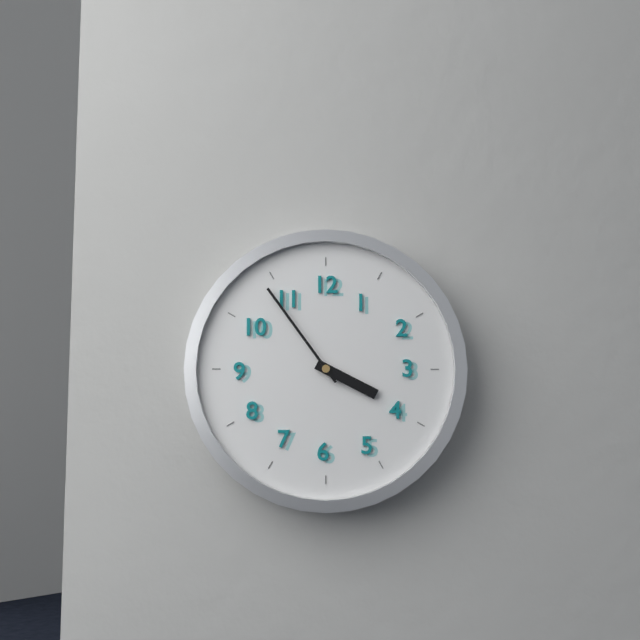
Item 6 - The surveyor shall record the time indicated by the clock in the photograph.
3:54
